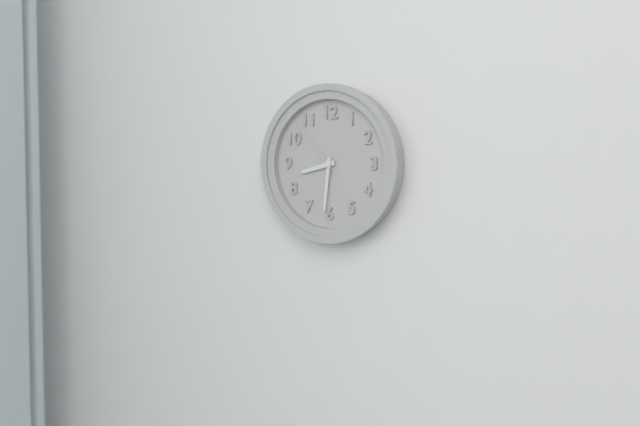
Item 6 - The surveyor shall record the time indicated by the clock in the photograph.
8:31:53
